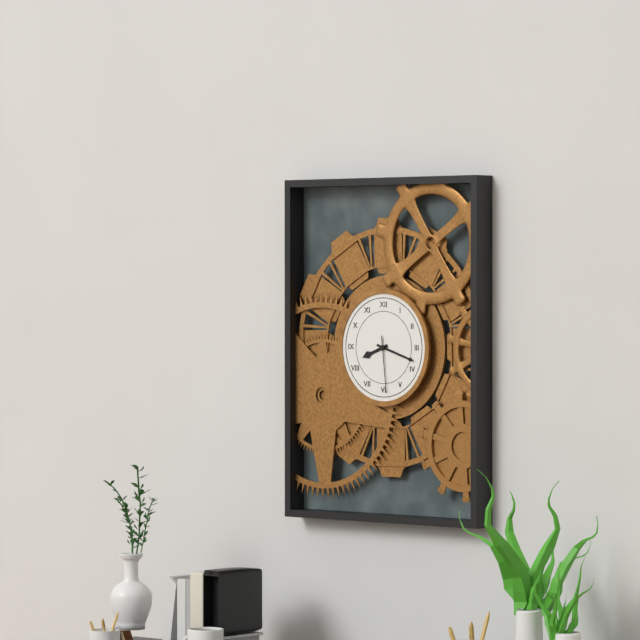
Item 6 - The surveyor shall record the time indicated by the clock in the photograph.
8:18:29
